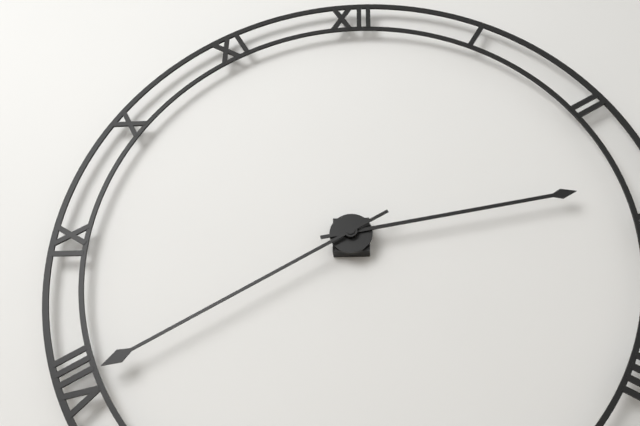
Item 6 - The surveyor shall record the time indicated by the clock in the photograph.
2:40
